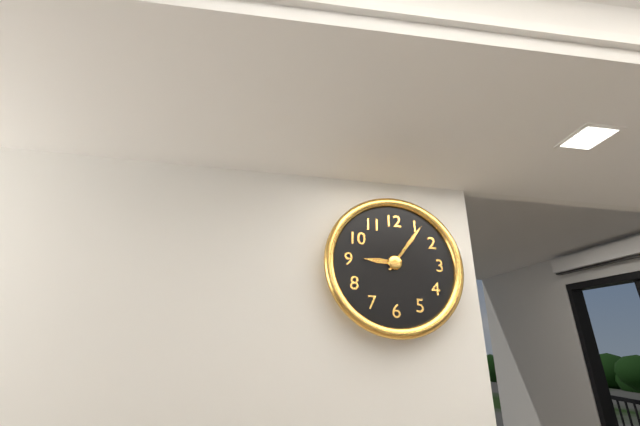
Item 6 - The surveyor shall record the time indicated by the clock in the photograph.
9:06
